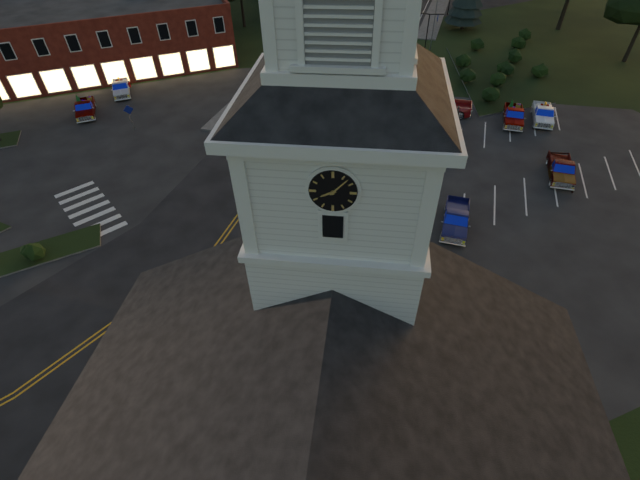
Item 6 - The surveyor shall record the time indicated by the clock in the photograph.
8:07
